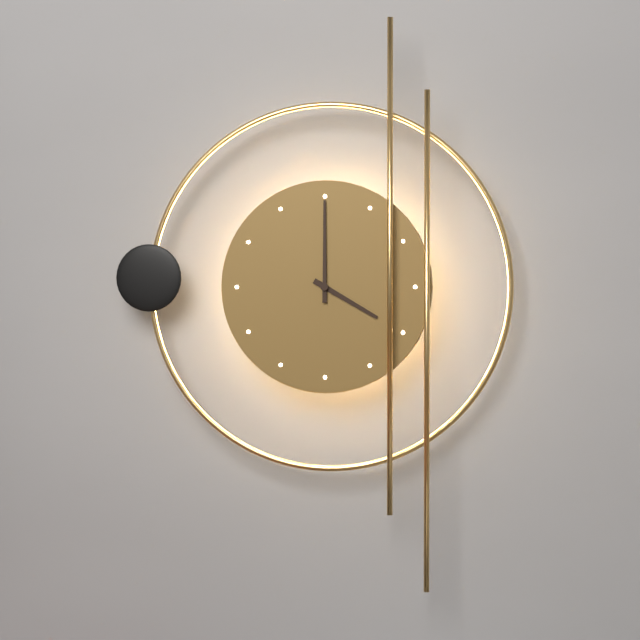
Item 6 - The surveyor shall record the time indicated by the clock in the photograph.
4:00
